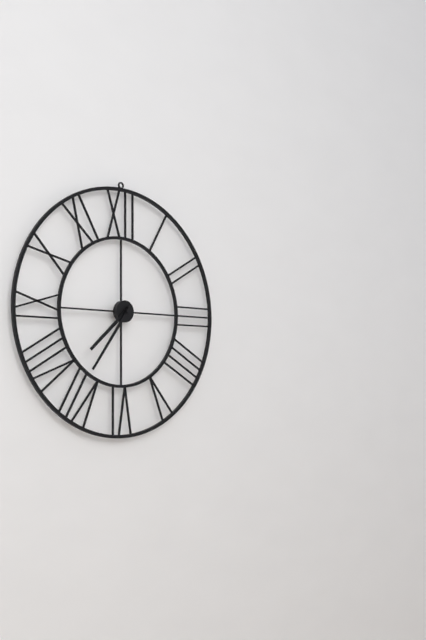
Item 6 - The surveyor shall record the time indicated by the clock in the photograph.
7:36
